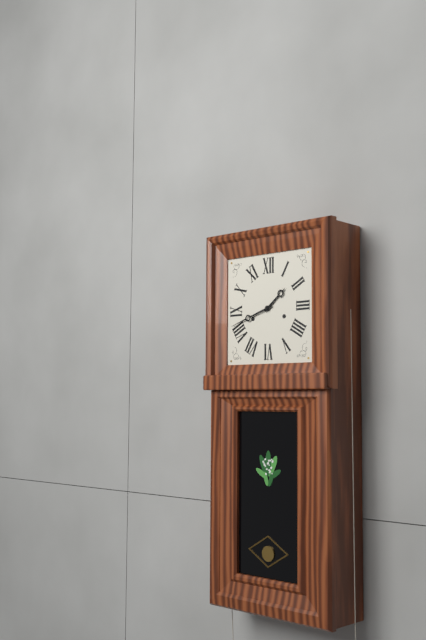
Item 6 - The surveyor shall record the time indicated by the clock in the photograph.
1:42
